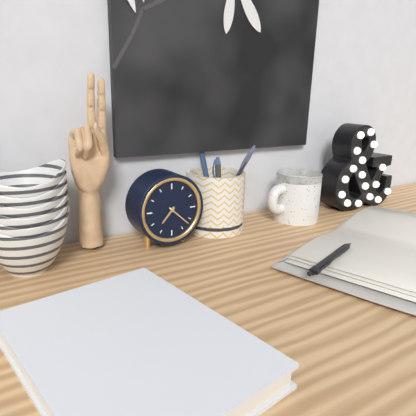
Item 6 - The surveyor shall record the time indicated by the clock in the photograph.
7:22
